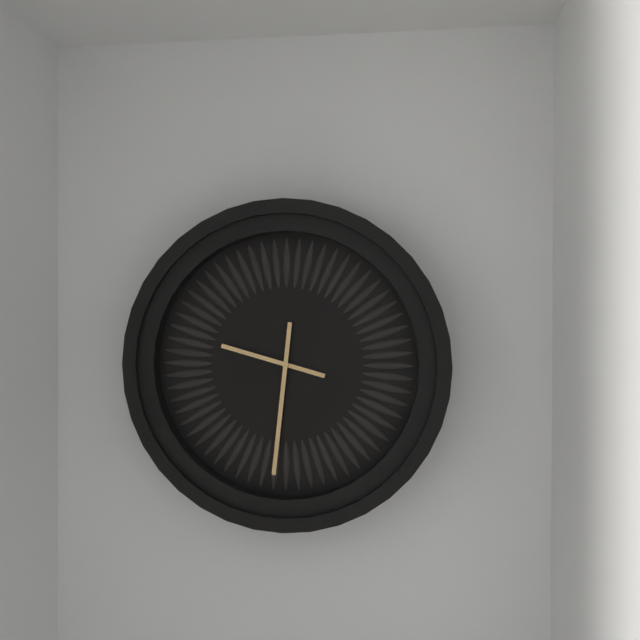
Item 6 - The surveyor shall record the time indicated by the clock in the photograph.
9:31
